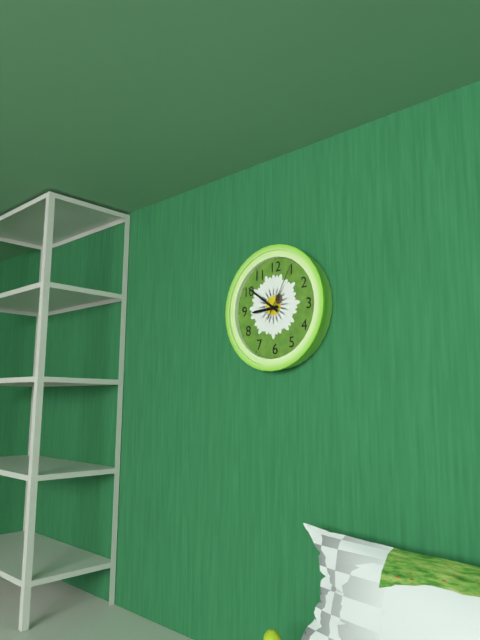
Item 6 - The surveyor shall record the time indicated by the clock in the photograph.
8:51:05
